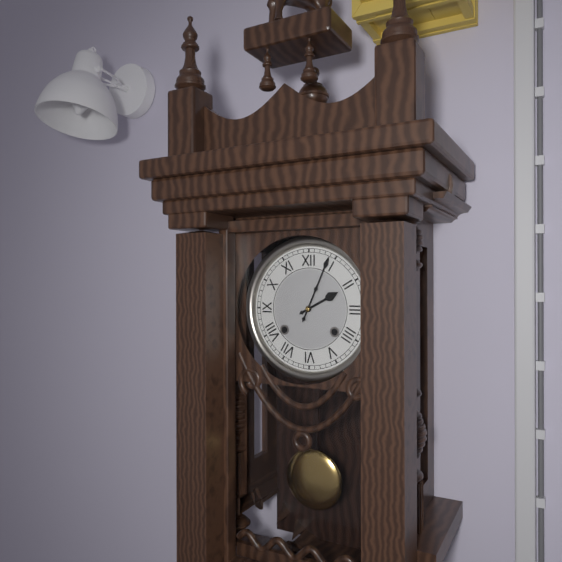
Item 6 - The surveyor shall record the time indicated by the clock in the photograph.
2:04
